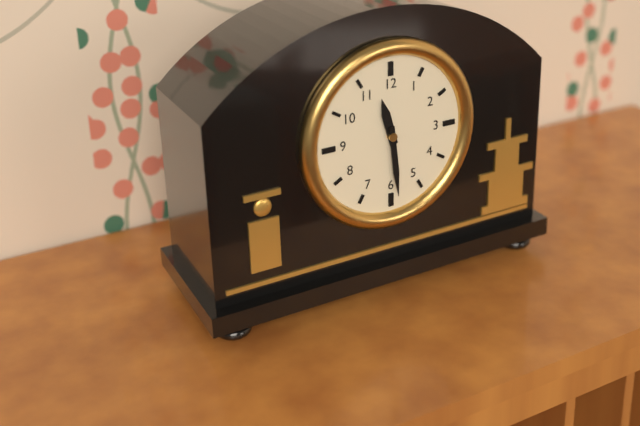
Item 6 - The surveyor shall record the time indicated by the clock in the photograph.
11:29
